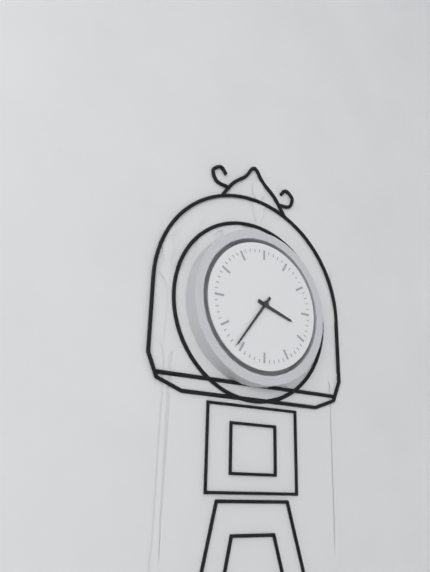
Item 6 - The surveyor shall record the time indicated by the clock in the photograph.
3:36
